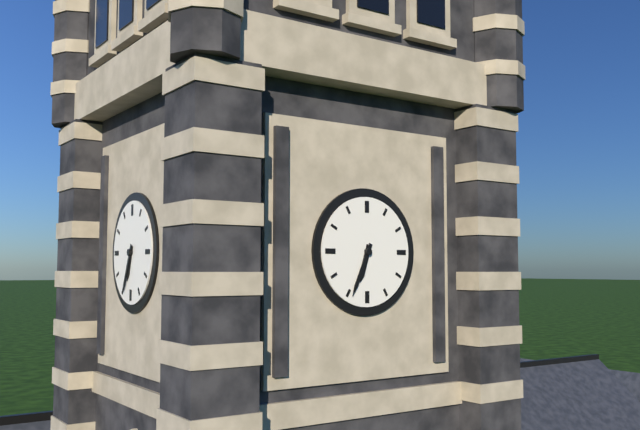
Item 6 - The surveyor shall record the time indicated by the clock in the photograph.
6:34
